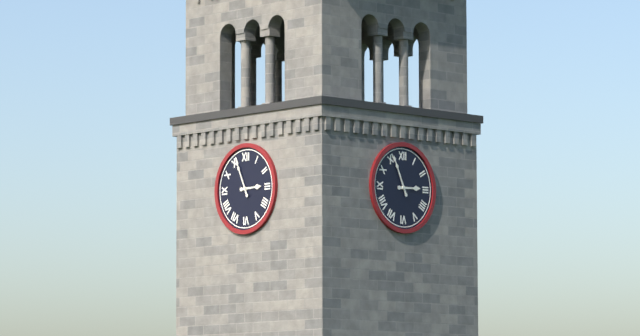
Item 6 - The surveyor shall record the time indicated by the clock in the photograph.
2:56
